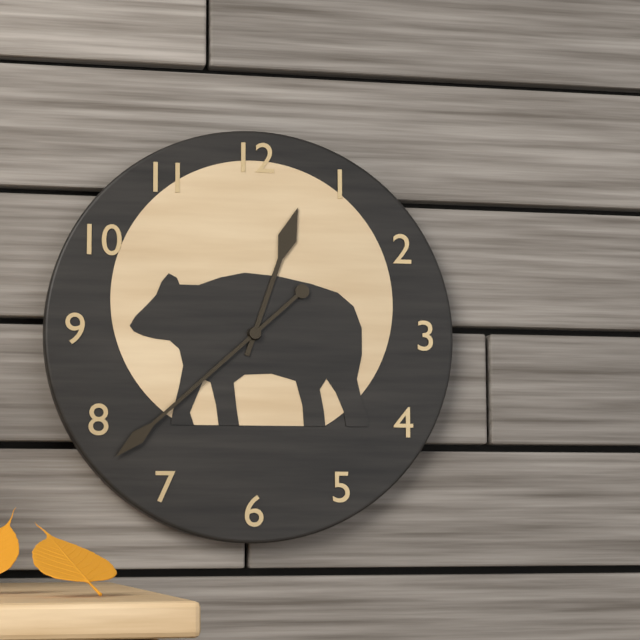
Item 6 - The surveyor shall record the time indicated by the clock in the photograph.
12:38
